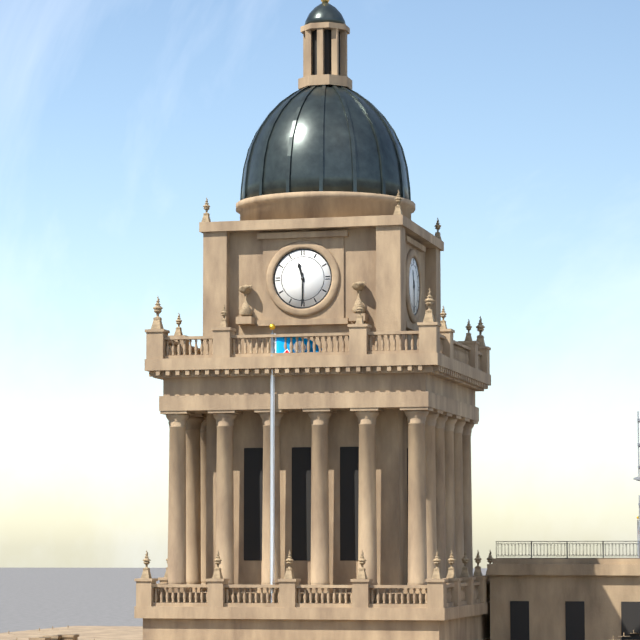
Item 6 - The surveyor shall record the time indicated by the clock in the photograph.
11:30
